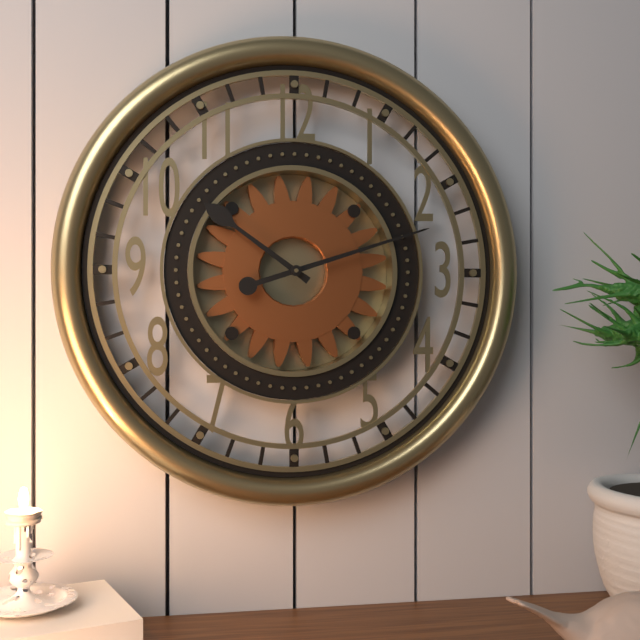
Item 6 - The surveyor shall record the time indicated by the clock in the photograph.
10:12
